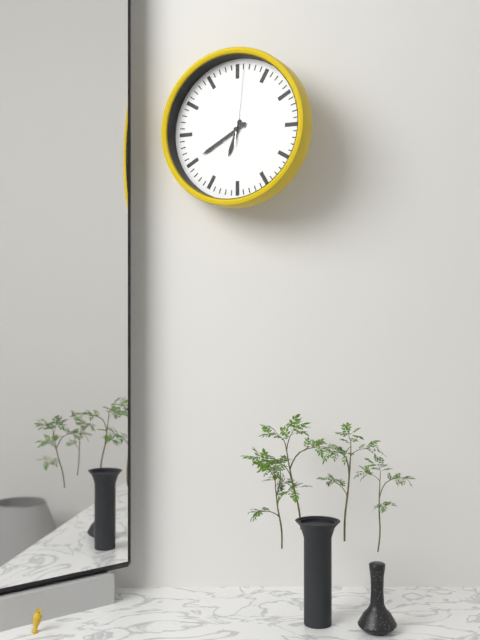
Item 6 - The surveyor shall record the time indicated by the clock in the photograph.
6:40:01
